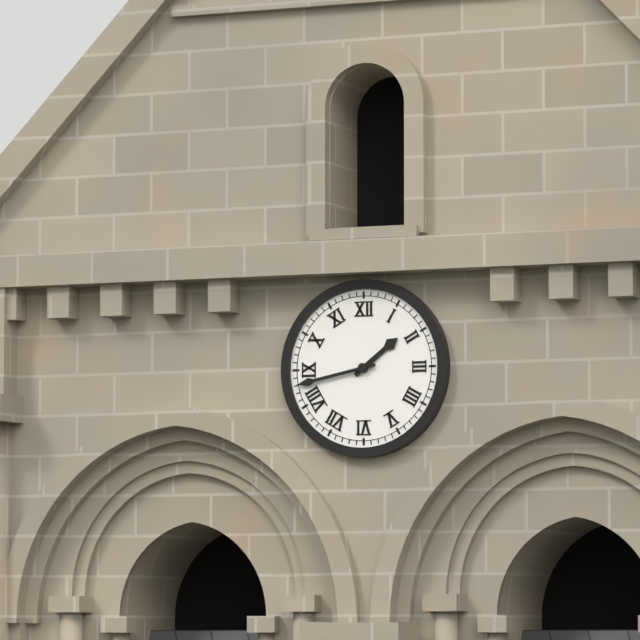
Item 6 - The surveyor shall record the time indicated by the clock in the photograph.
1:43
